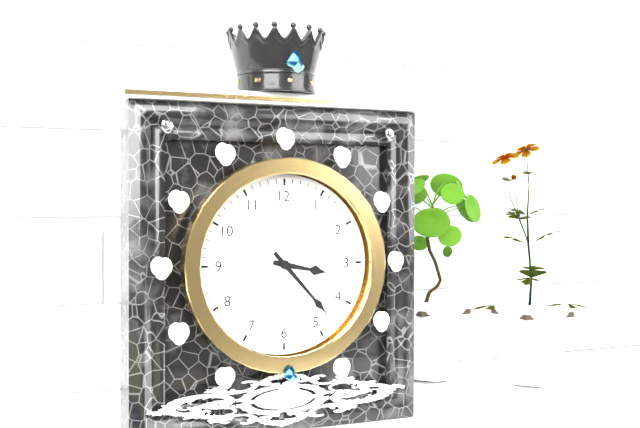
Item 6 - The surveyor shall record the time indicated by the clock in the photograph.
3:23
